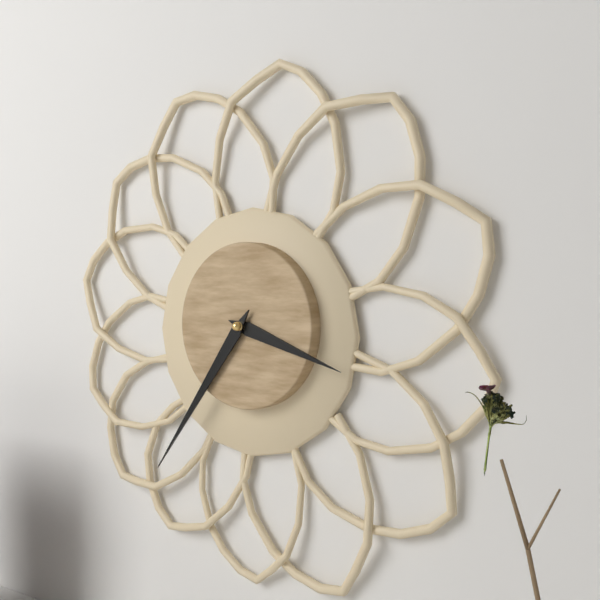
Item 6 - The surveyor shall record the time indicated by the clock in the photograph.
3:36
